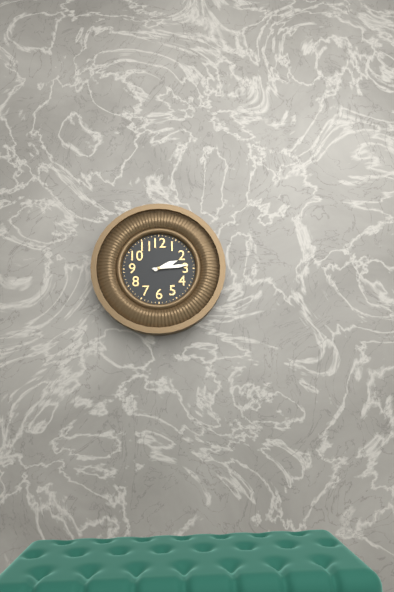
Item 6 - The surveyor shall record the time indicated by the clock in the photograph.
2:14
